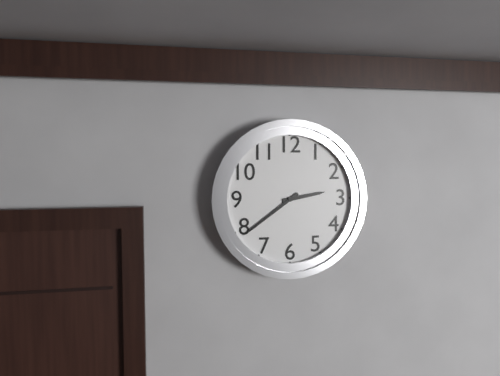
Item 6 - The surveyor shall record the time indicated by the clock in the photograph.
2:39
